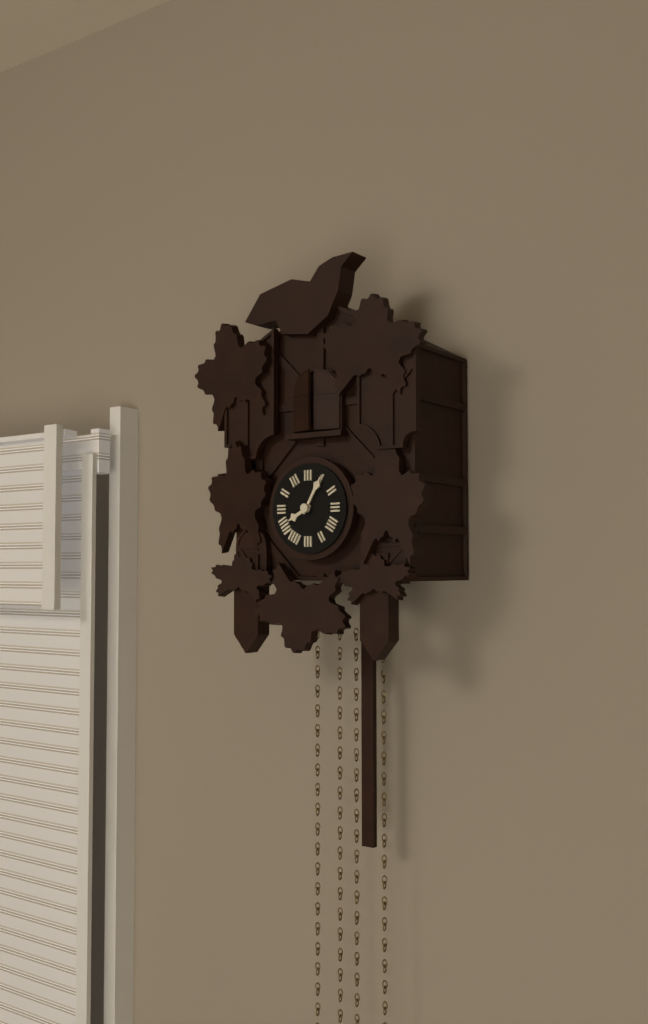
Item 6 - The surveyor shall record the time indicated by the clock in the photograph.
8:05
